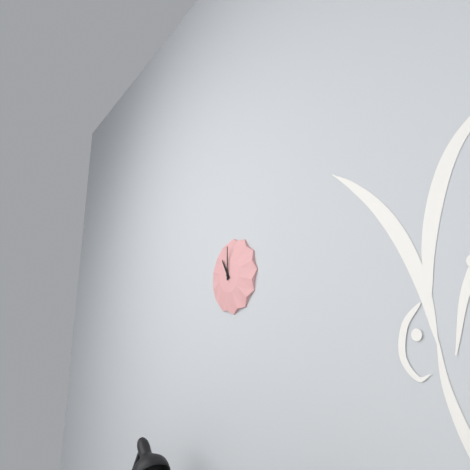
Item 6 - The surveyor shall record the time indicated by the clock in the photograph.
11:00
